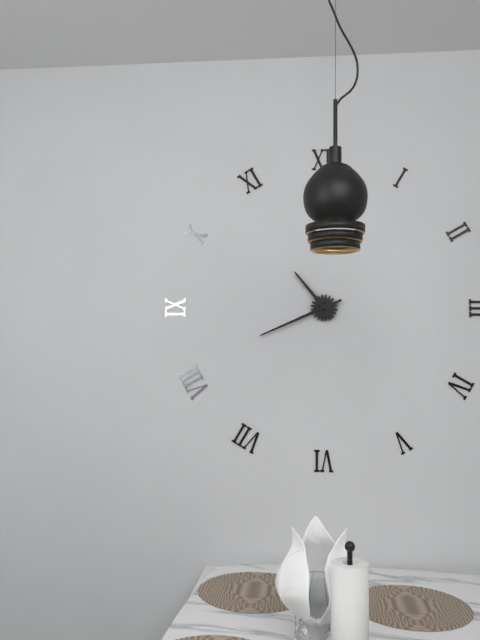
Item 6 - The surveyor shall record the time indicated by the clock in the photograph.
10:41
